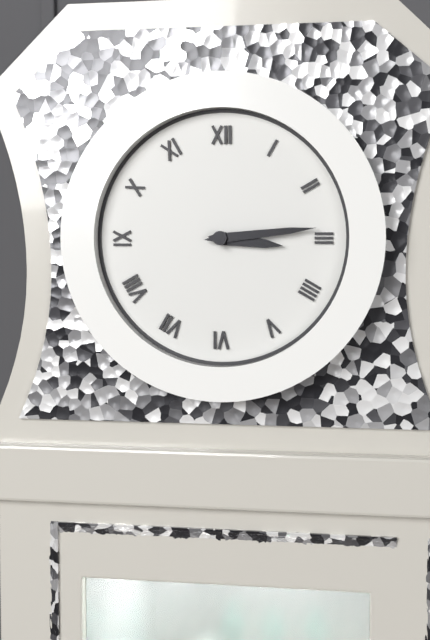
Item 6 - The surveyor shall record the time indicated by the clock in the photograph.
3:14
